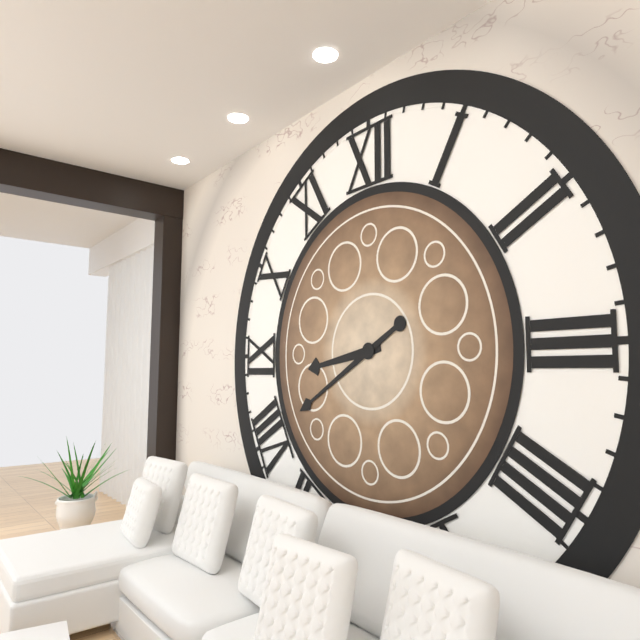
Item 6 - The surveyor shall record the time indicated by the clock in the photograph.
8:40
